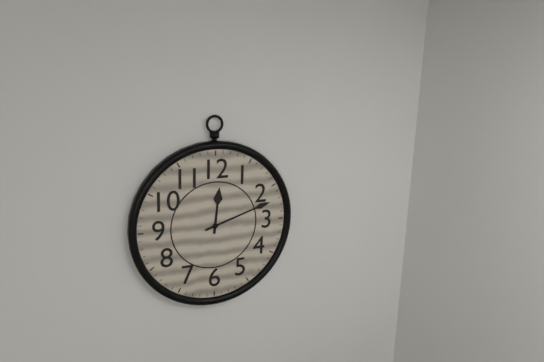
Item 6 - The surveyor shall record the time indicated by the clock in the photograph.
12:12
